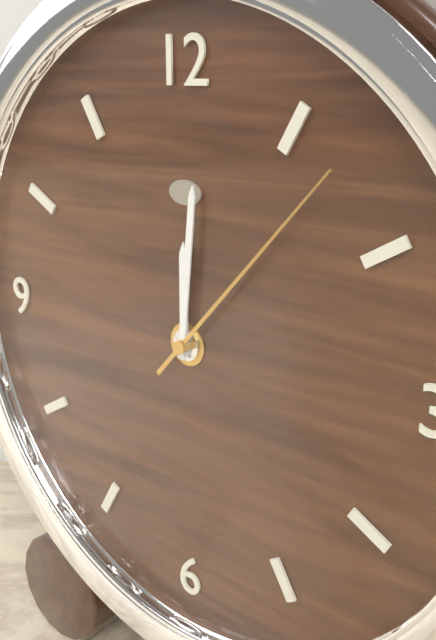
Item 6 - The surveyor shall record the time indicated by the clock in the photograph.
12:01:07
